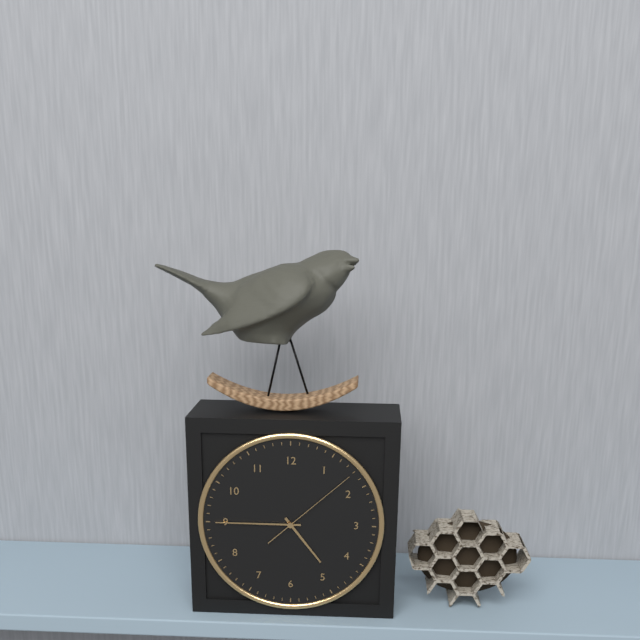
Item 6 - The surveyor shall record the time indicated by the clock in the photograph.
4:45:08
